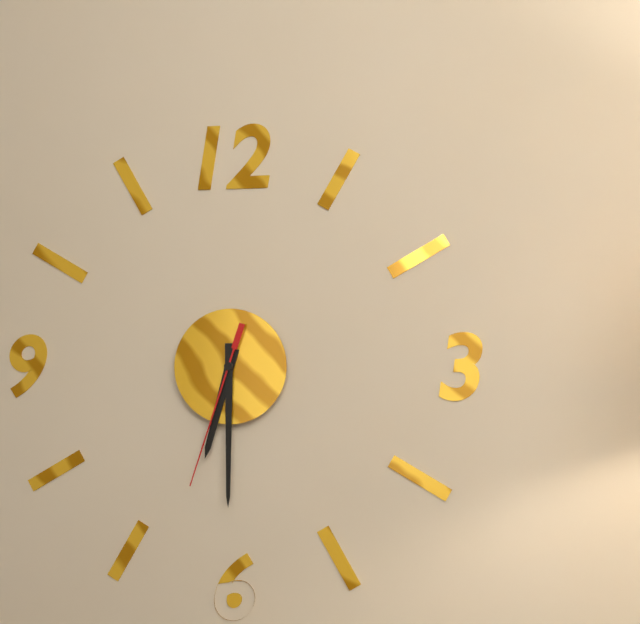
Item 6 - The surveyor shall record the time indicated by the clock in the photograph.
6:30:33
